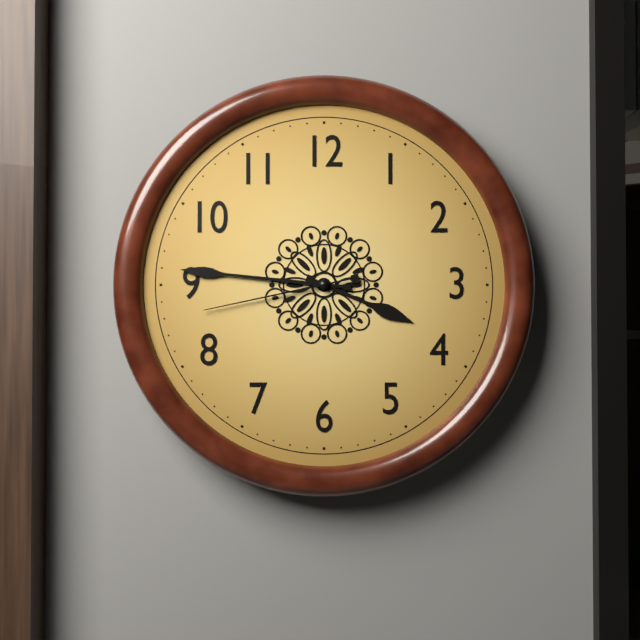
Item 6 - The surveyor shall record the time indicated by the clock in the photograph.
3:46:43
